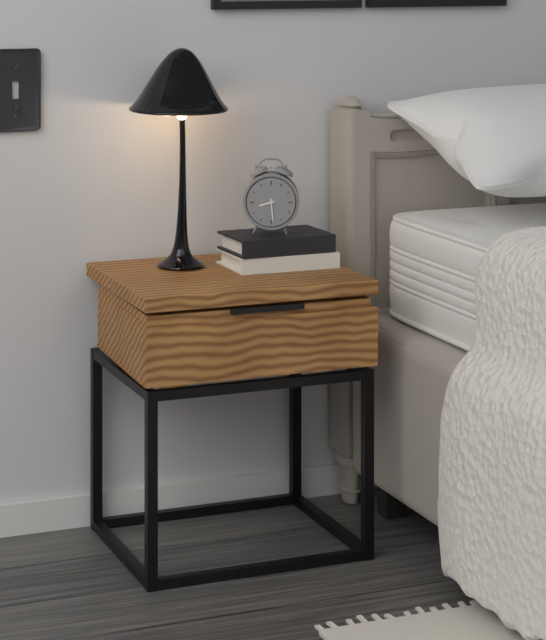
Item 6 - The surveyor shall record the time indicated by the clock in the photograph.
8:29
